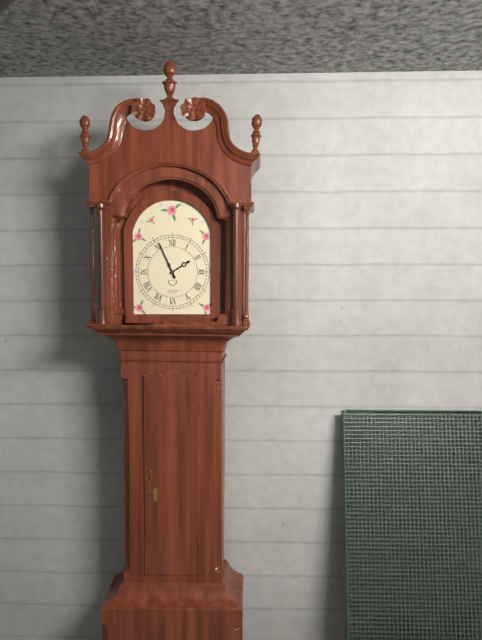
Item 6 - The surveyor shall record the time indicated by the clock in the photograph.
1:56
